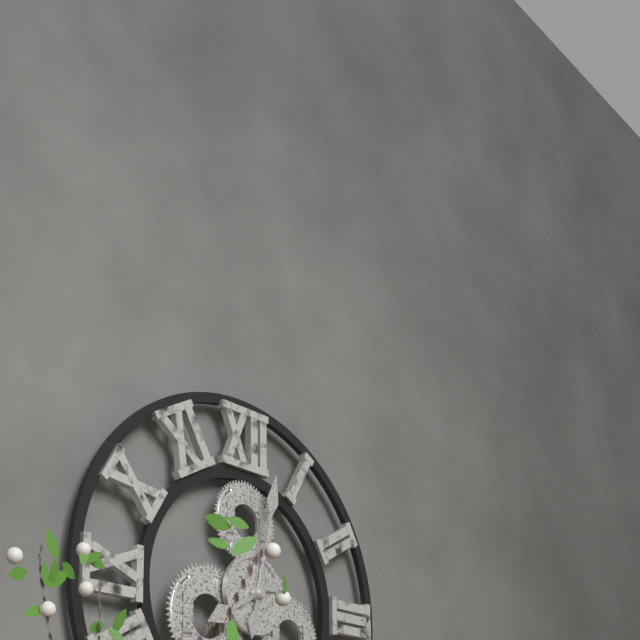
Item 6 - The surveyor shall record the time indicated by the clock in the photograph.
8:02
